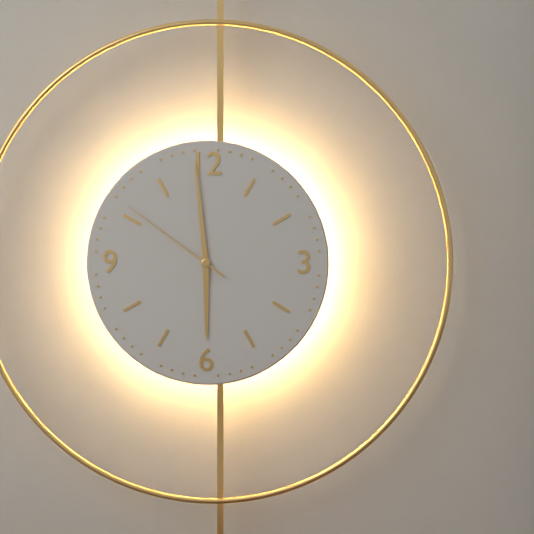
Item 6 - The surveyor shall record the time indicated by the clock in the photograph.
5:59:51
